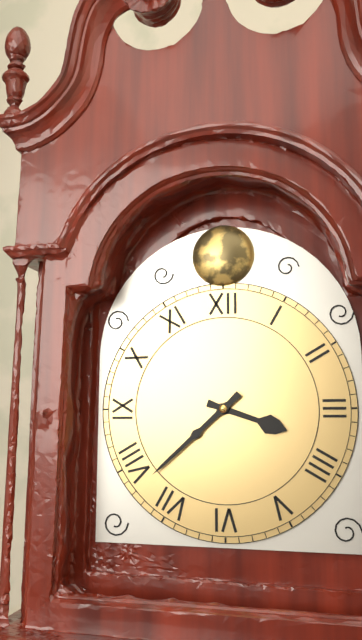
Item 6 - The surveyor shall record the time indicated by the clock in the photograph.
3:38
